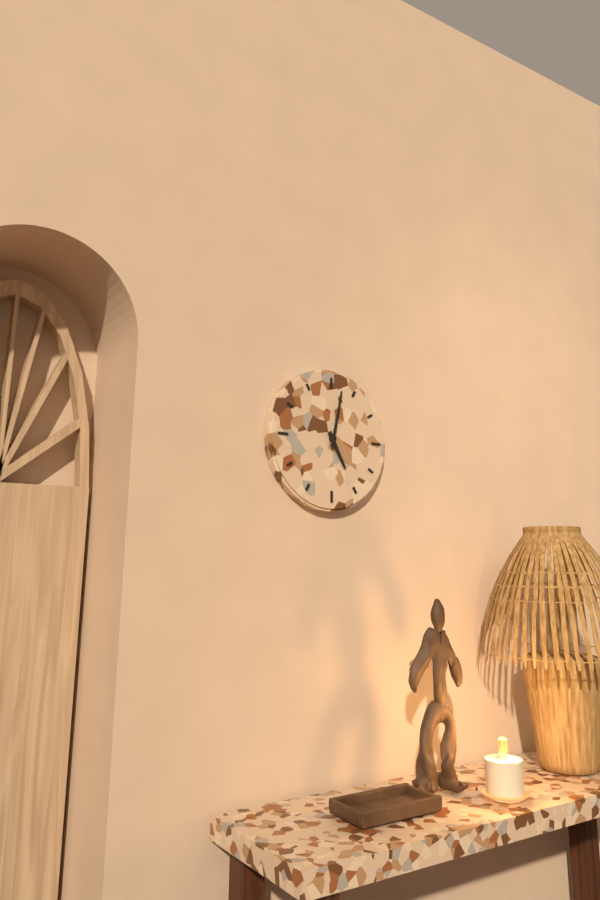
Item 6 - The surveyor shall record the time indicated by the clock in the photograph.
5:02
